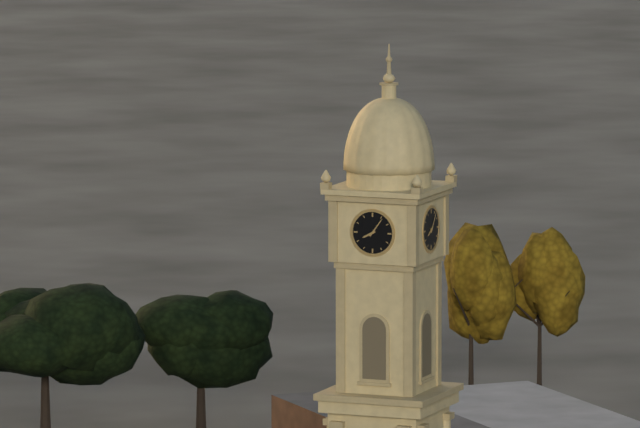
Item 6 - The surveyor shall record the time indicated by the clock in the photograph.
8:06
